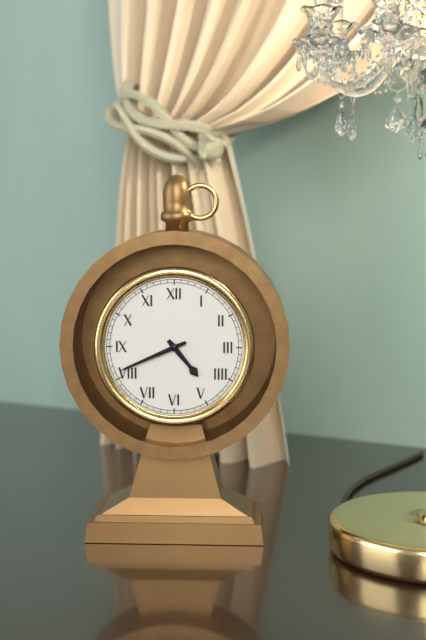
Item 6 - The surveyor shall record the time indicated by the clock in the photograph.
4:41
